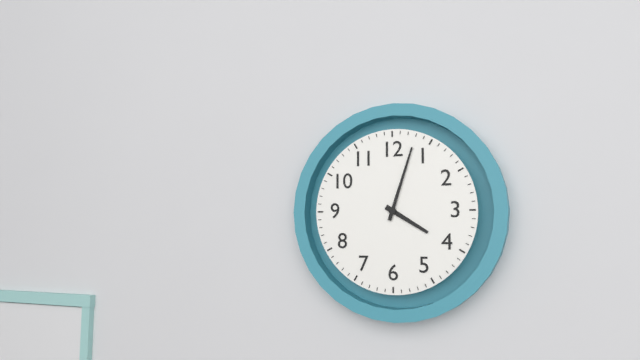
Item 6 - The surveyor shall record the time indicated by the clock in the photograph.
4:03
